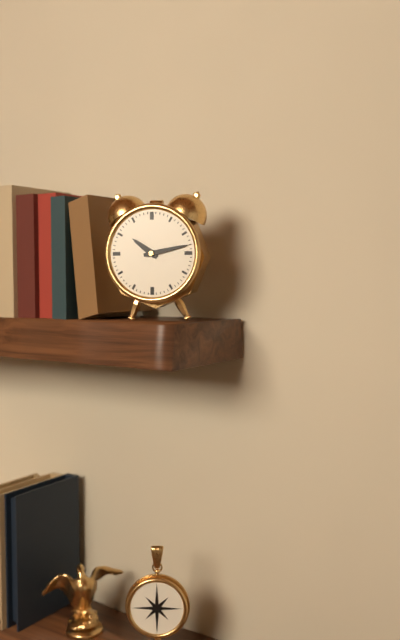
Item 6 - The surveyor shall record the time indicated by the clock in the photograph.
10:13
